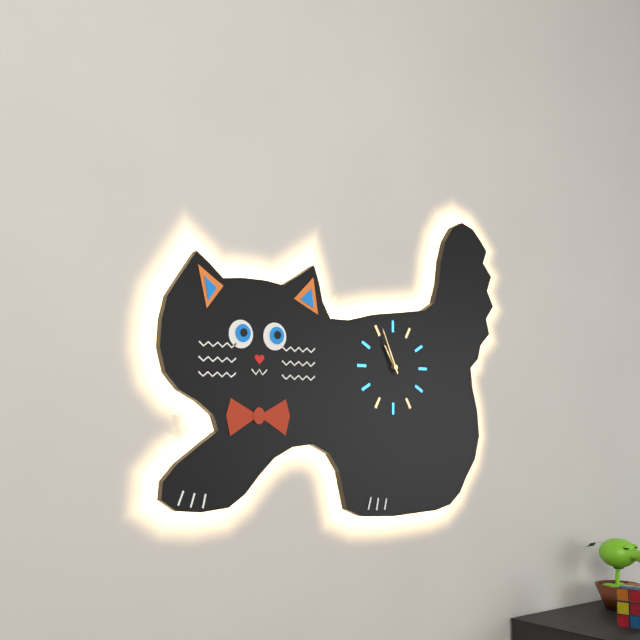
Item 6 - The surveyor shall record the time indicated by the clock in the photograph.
10:56
